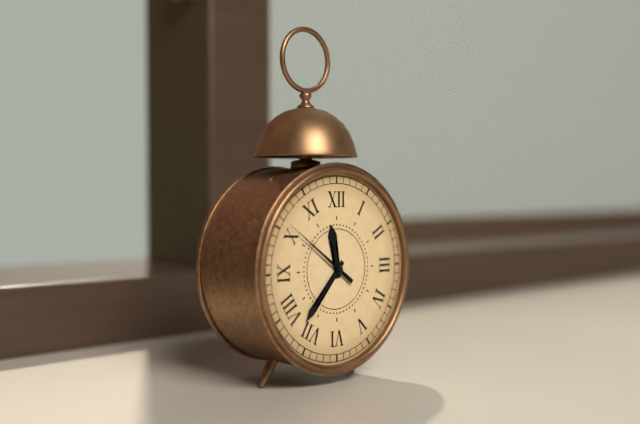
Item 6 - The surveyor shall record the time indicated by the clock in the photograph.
11:37:51
